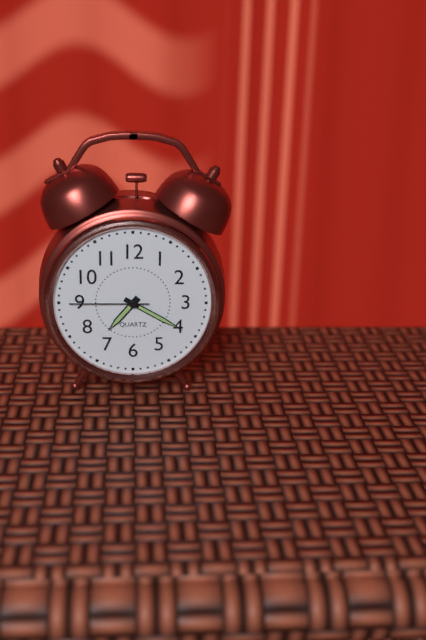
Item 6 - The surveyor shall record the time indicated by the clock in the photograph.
7:20:45
